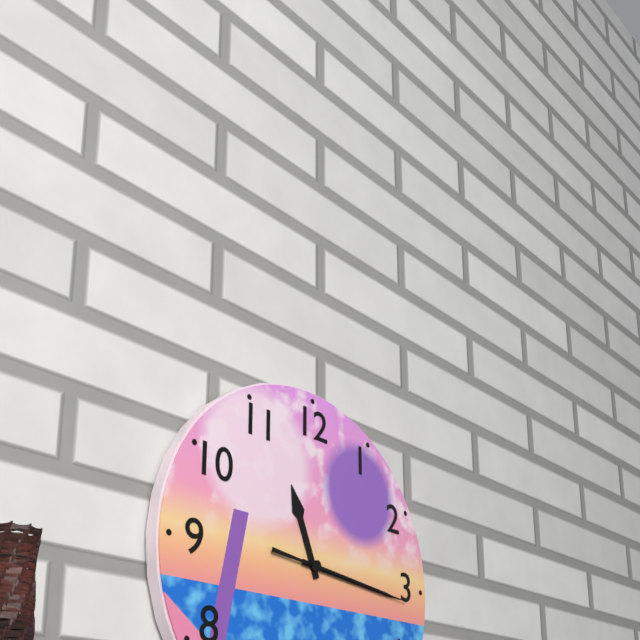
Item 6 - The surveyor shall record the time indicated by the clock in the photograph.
11:16:16
